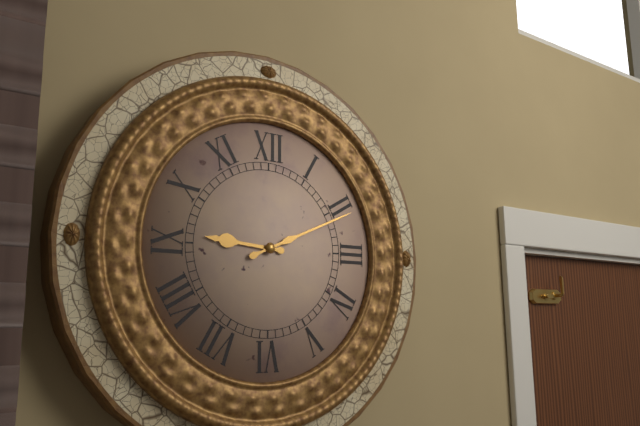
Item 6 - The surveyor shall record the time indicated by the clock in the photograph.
9:11
